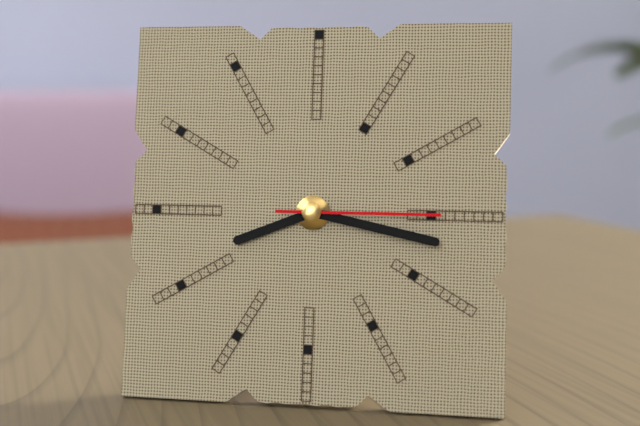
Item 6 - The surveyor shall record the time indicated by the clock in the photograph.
8:17:15
